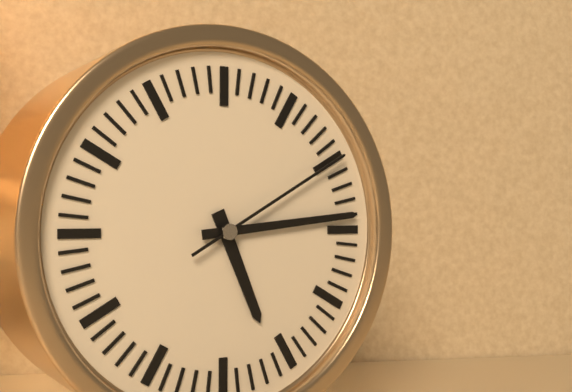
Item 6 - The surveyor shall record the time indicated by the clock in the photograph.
5:14:10
